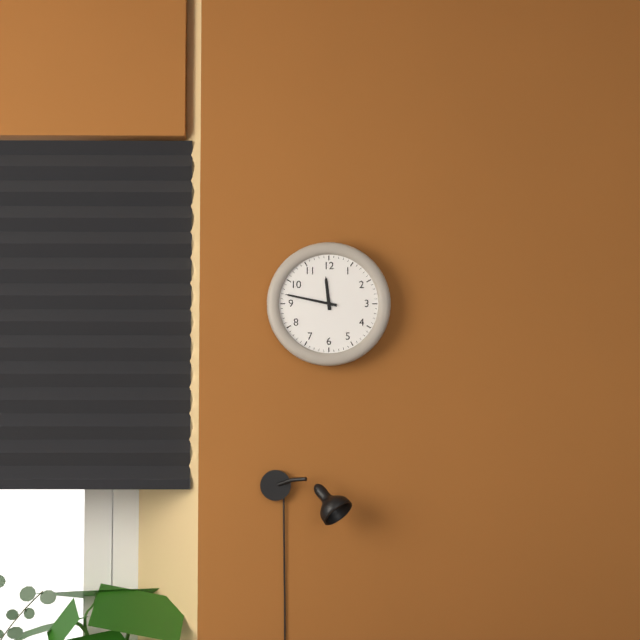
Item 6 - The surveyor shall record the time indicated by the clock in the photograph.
11:47
